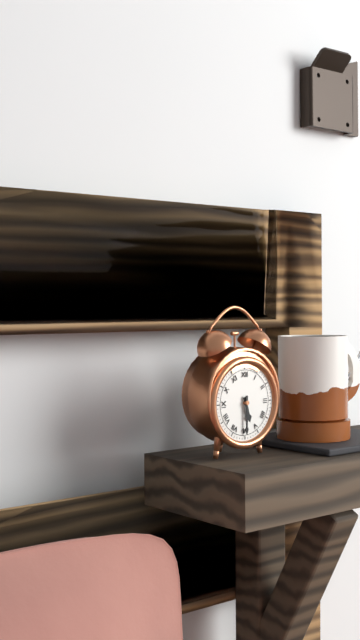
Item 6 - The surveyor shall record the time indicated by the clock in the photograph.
5:30
